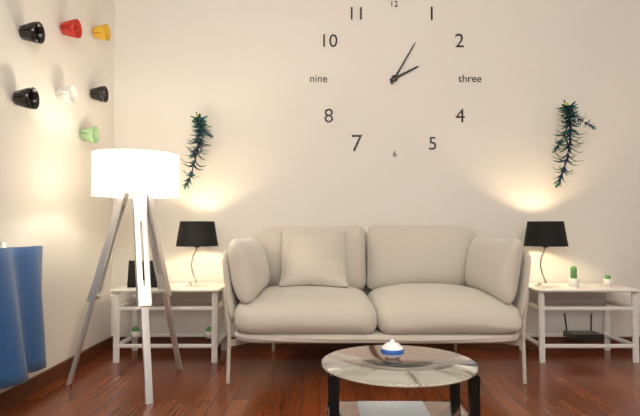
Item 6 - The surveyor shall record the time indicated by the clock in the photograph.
2:05
